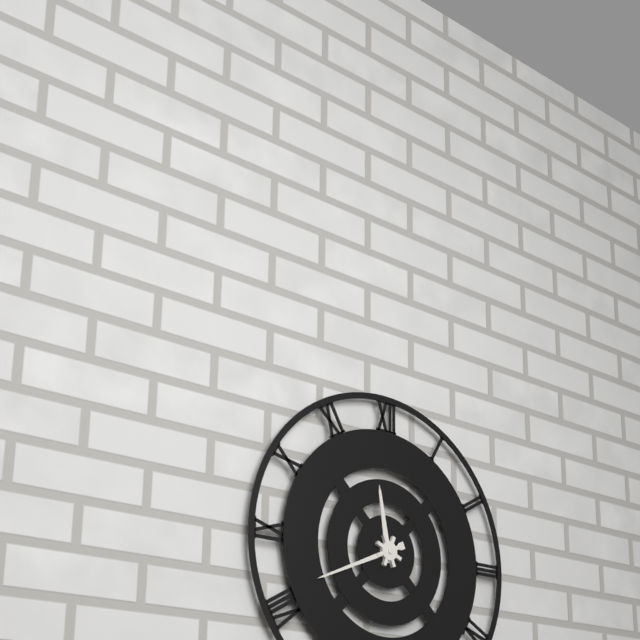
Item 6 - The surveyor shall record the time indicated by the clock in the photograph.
11:41
